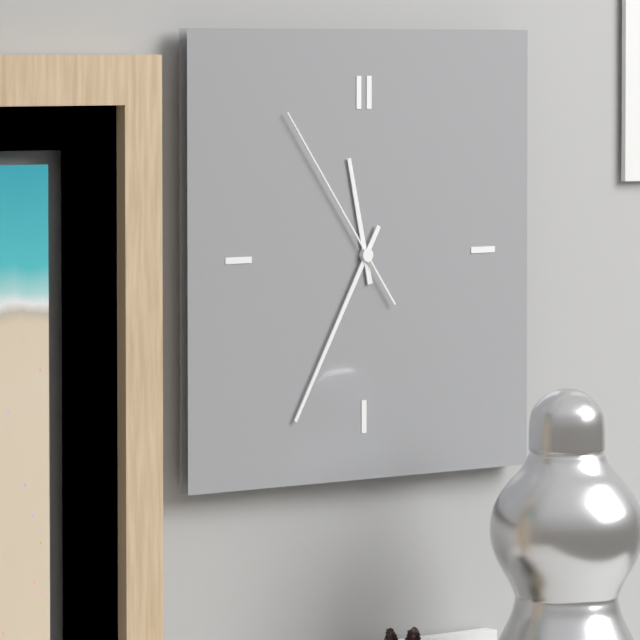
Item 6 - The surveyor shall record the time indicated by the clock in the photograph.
11:35:54
